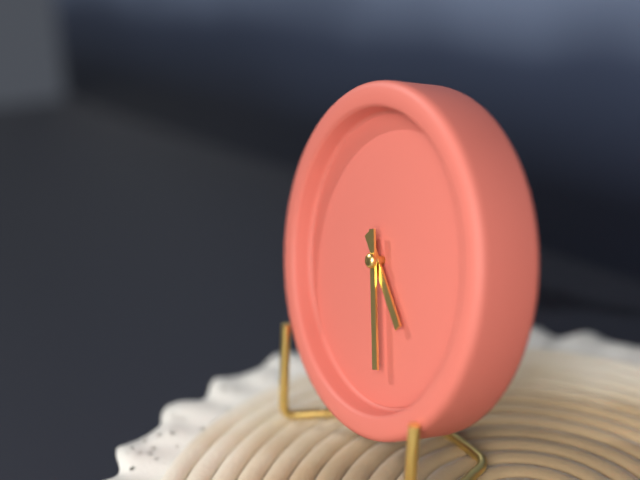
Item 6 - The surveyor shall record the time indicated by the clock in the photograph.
4:27
